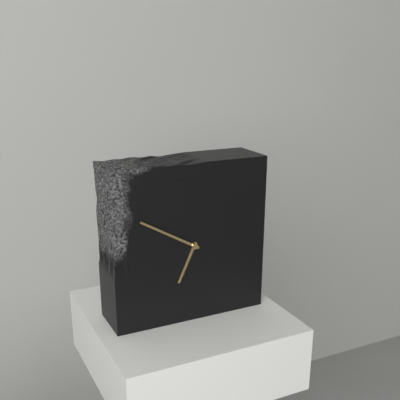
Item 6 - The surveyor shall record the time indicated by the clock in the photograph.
6:50
